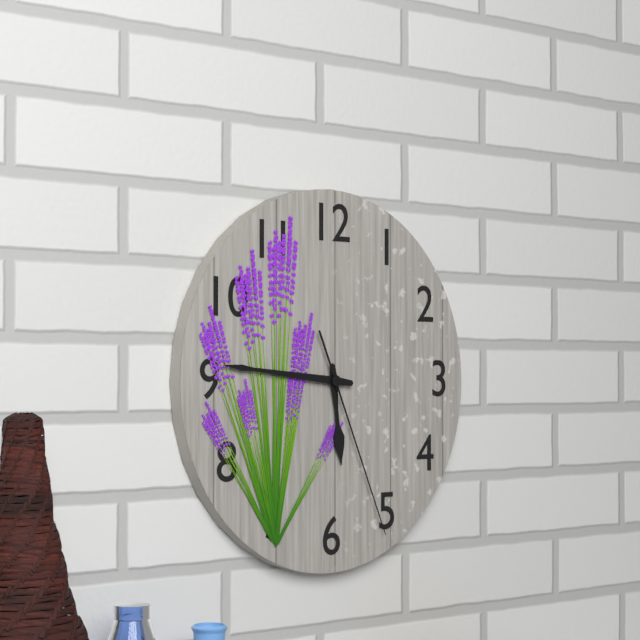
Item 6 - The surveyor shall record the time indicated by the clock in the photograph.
5:46:26
